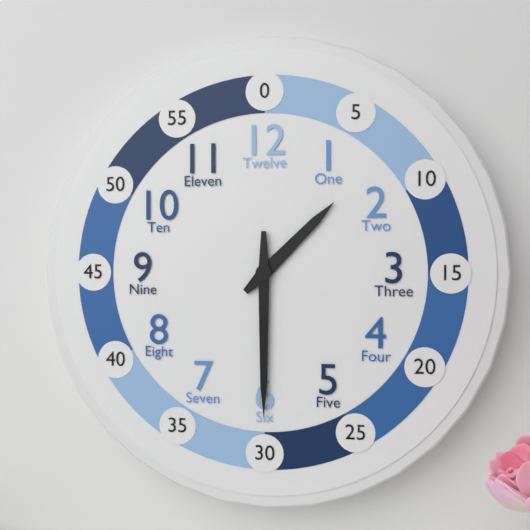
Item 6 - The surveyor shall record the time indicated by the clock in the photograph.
1:30
